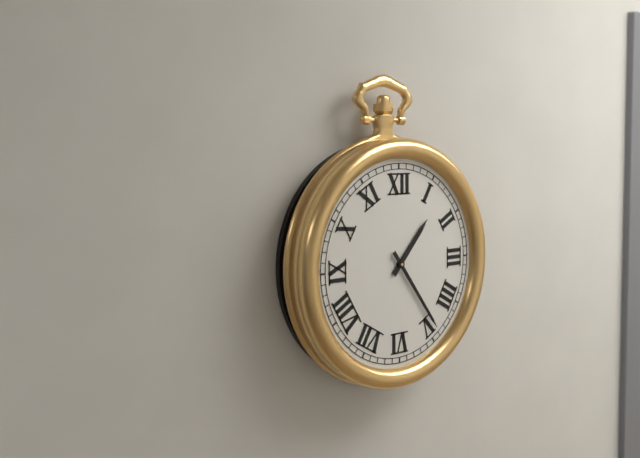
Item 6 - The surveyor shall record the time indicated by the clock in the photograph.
1:24
